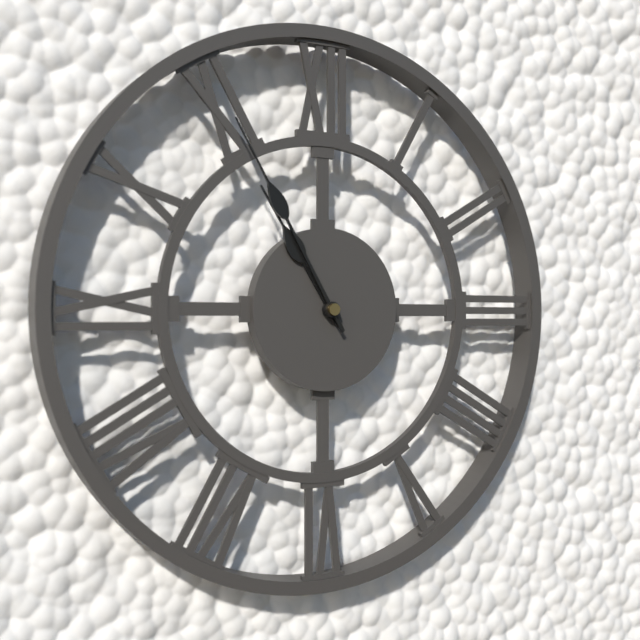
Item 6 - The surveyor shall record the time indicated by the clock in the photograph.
10:55
